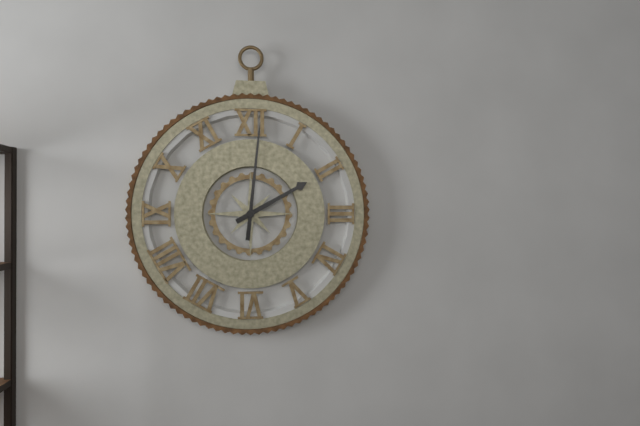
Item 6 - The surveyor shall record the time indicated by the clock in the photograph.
2:01
